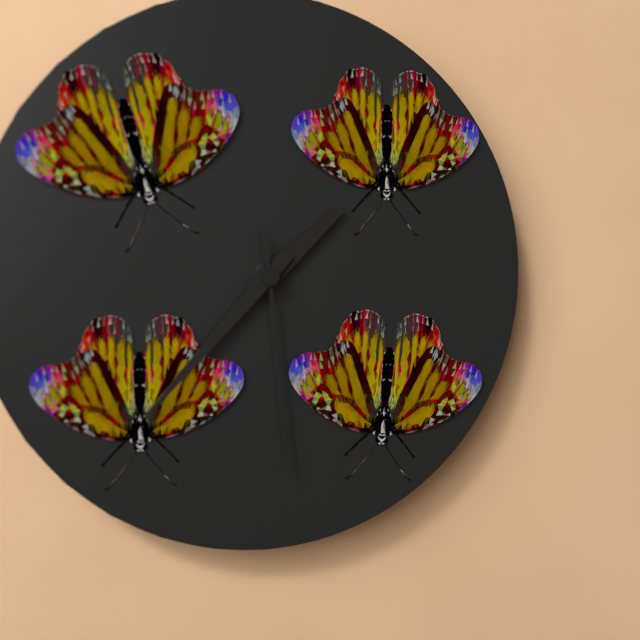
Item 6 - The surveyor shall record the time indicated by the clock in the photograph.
1:37:29
